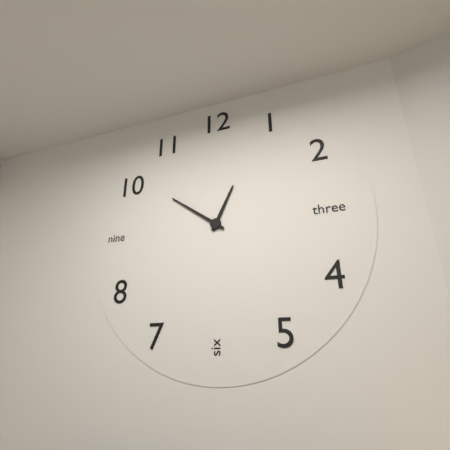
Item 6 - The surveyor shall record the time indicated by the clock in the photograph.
12:51
